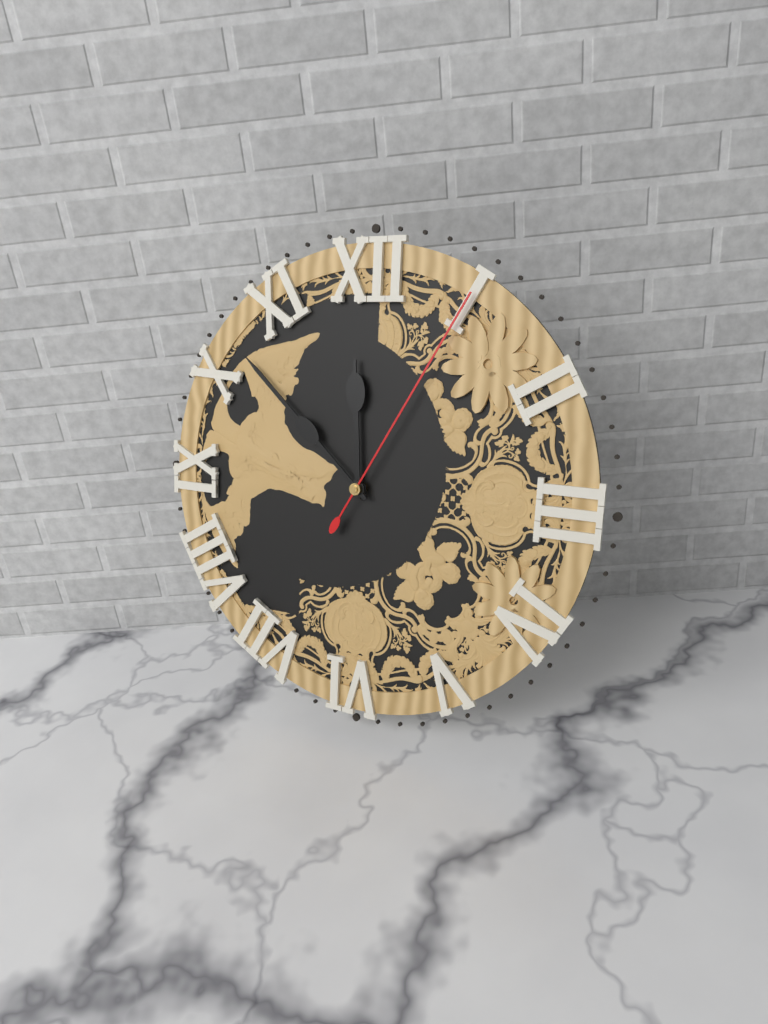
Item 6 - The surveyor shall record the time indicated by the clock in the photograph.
11:52:05
